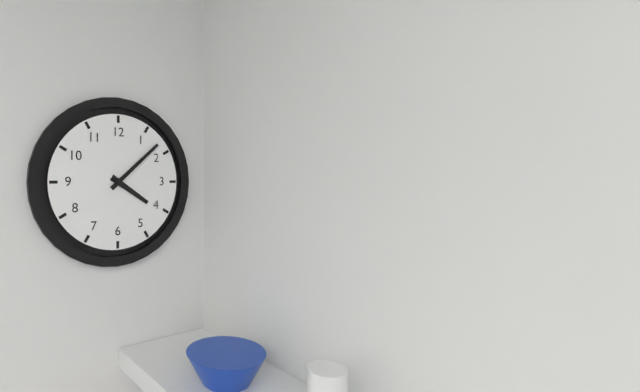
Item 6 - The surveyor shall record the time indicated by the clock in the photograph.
4:08
